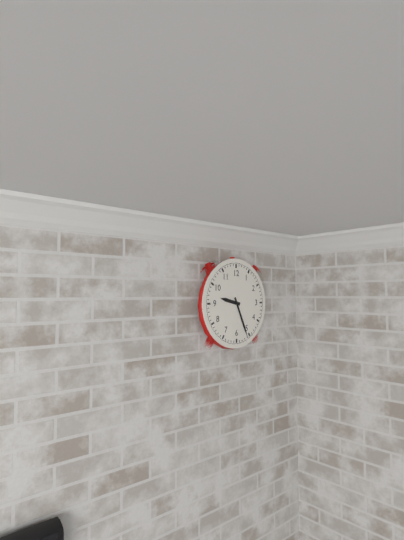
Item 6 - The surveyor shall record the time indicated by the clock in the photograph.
9:26
